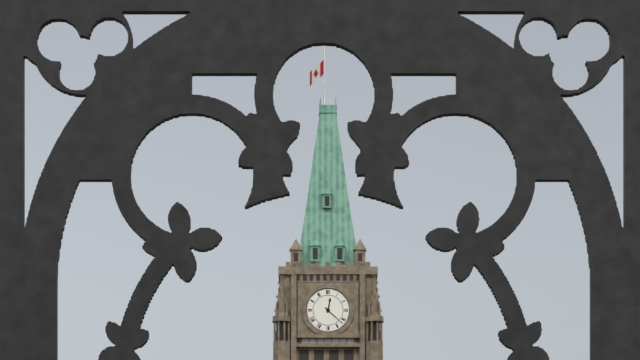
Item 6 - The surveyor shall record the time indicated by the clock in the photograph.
12:22
